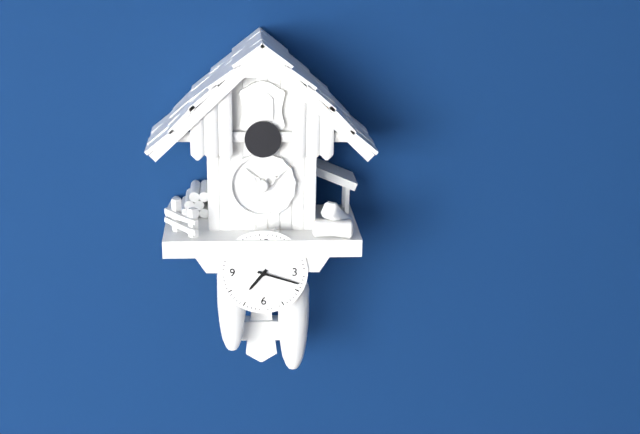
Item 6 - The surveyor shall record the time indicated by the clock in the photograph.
7:18
